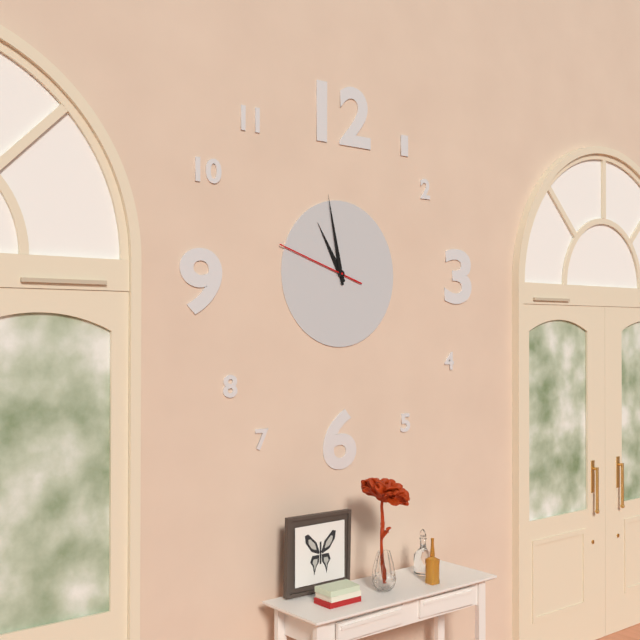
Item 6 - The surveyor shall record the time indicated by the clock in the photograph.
10:58:48
